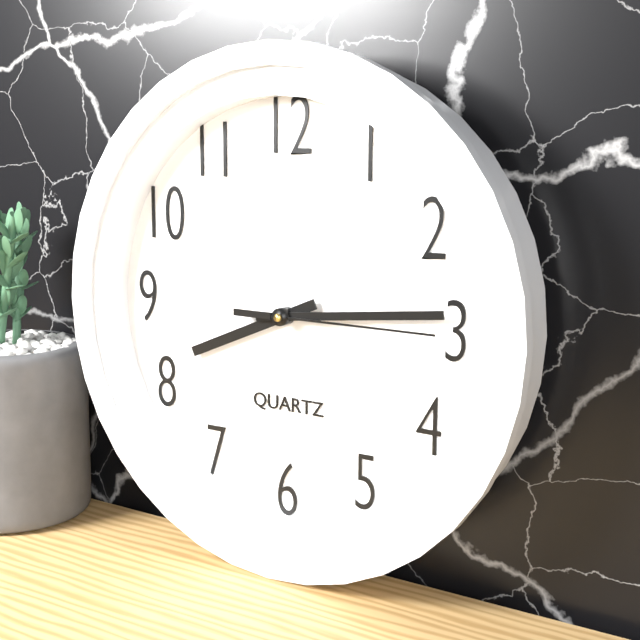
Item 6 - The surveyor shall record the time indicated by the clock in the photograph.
8:14:15
